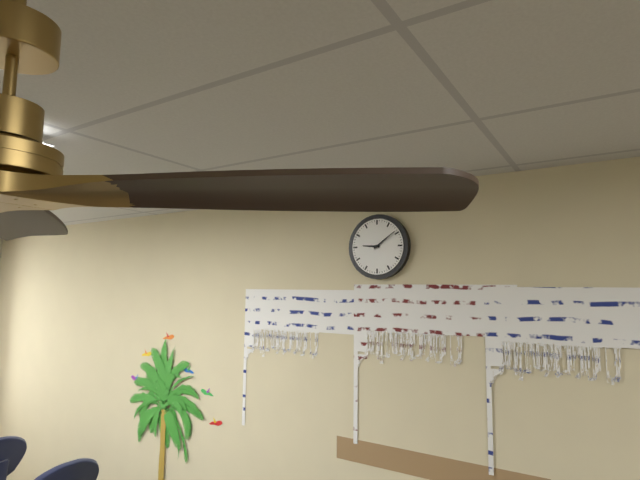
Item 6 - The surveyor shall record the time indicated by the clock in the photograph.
9:09
